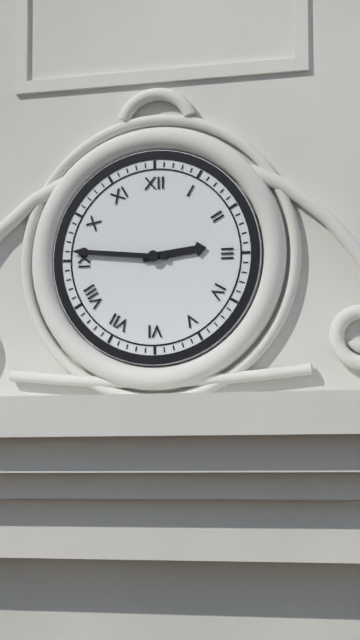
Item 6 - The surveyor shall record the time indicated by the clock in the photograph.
2:46
